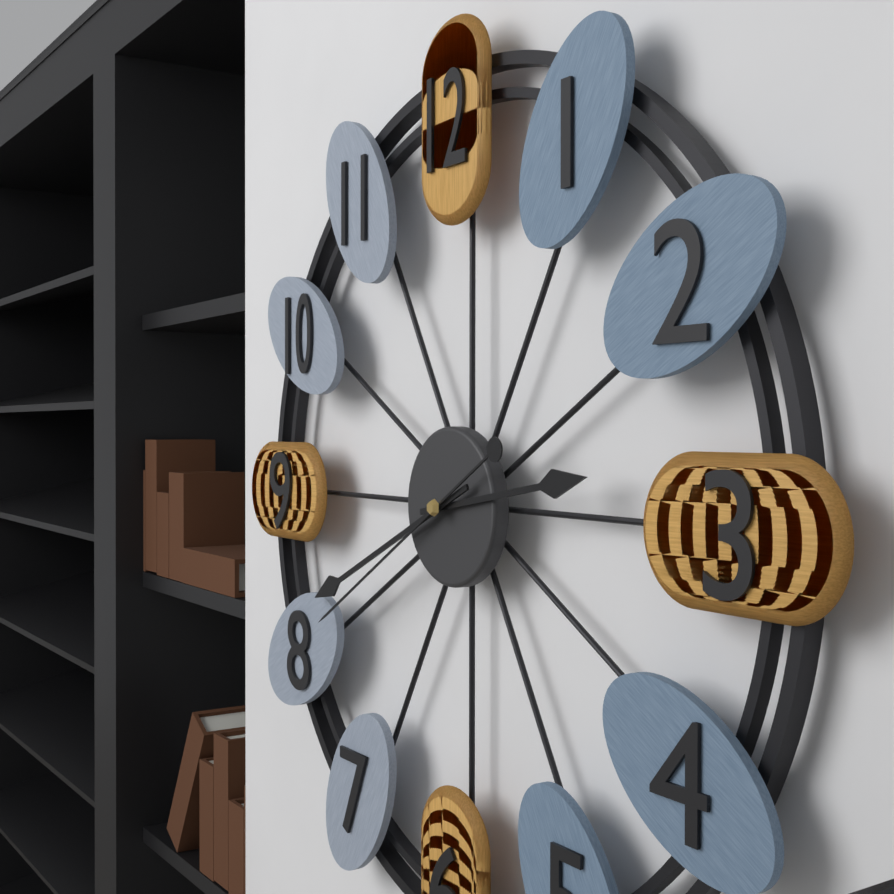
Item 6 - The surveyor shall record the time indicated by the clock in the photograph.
2:41:40
